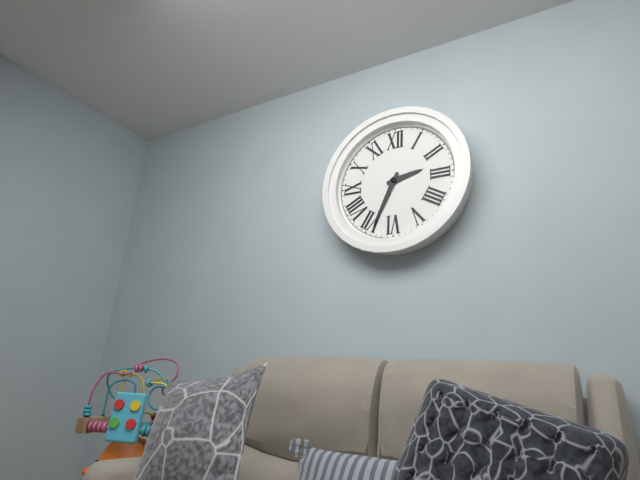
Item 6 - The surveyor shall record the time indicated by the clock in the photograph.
2:34
